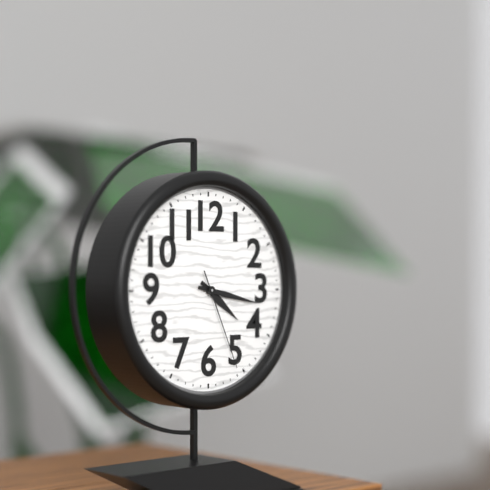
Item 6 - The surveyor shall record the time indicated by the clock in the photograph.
4:17:26
